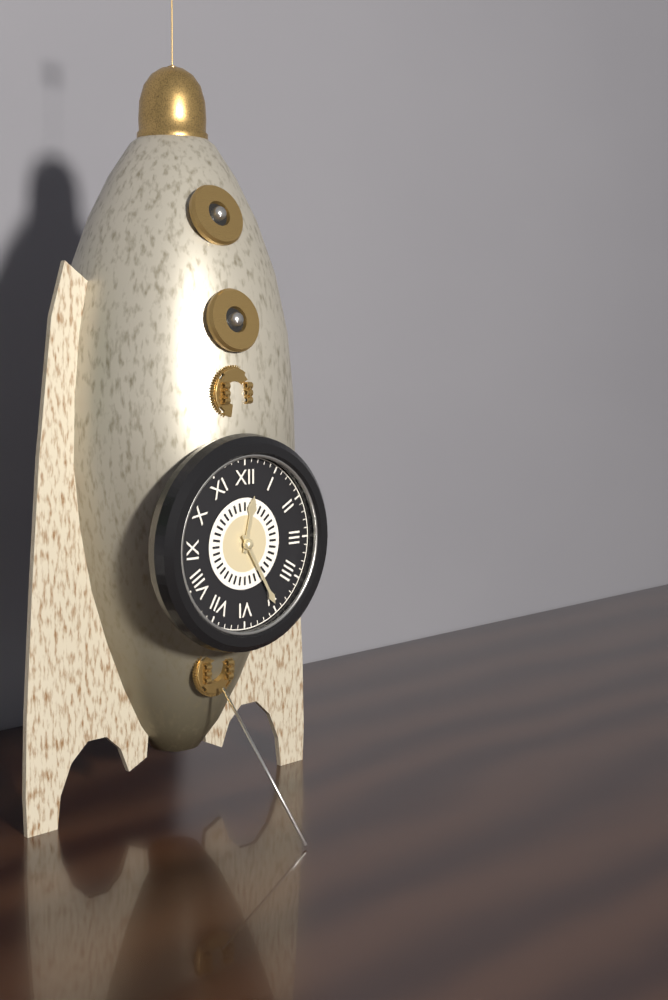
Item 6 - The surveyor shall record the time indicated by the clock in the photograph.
12:25
